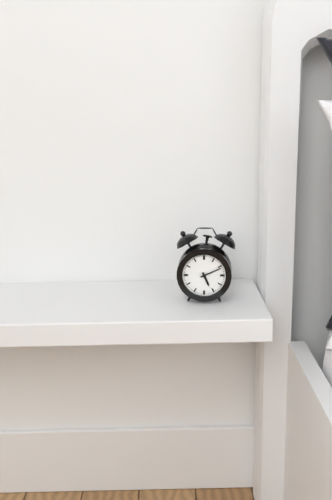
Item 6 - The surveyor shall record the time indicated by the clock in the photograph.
5:11
